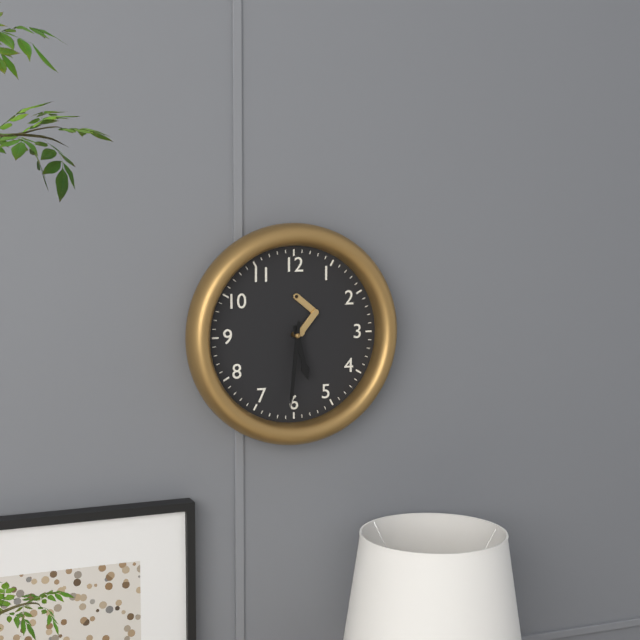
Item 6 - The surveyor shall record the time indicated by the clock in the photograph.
5:31
